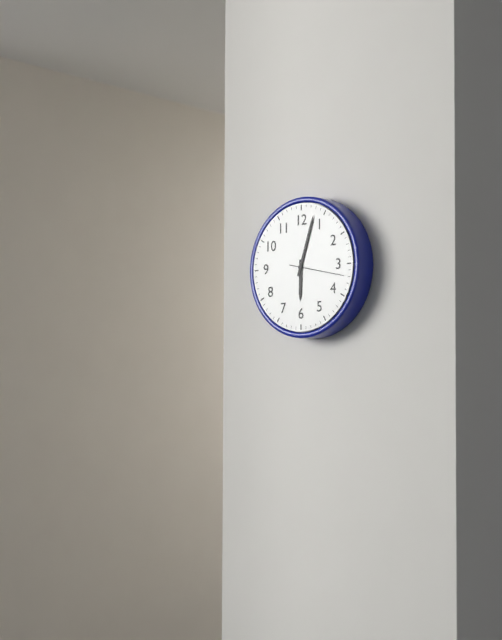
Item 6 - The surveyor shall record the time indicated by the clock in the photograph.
6:03:17
